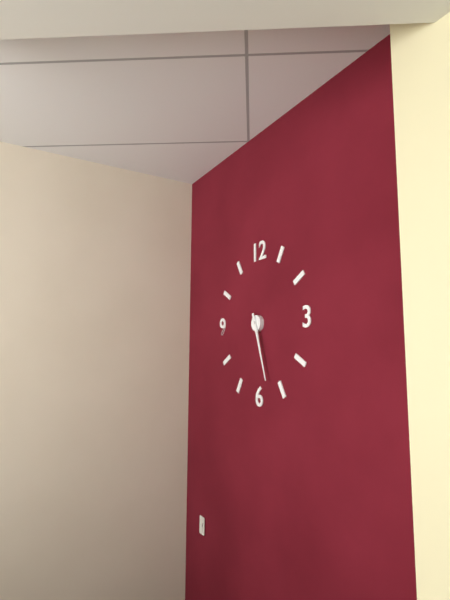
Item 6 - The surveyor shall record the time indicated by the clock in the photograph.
5:27
